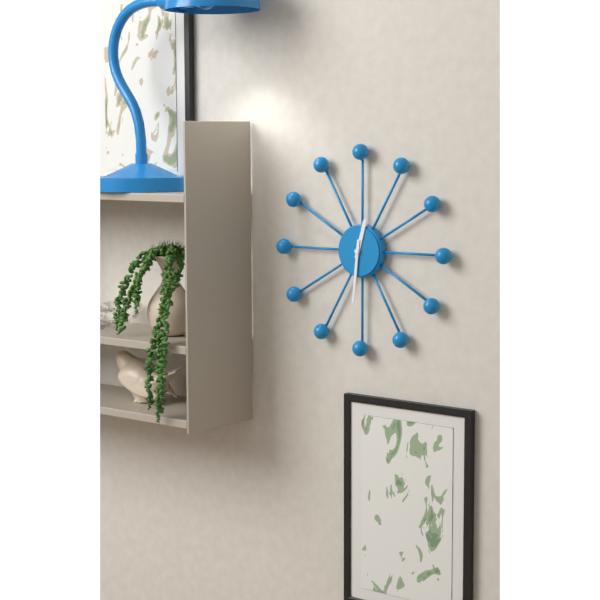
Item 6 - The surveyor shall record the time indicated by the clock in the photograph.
12:31
